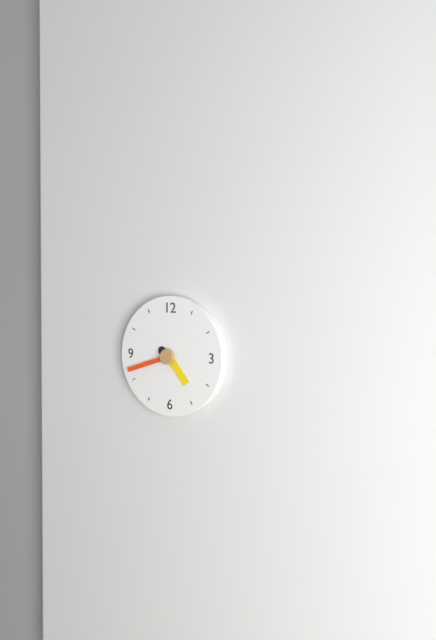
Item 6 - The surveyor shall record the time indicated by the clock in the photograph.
4:42
